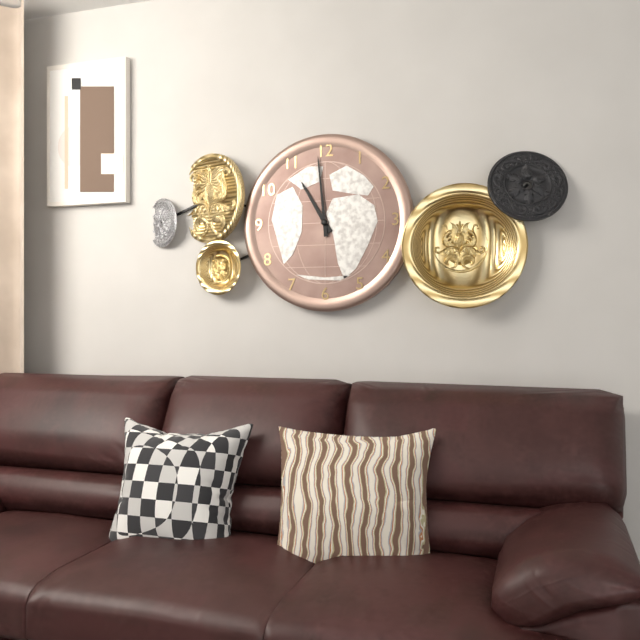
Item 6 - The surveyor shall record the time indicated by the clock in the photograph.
10:59
